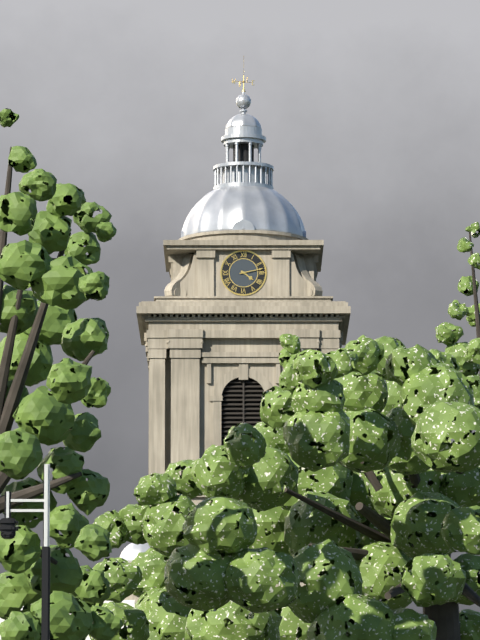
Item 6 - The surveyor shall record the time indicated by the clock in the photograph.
4:13
